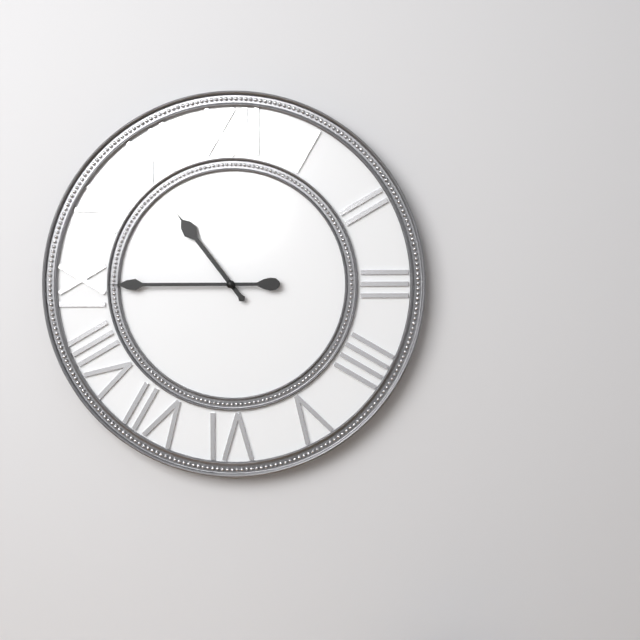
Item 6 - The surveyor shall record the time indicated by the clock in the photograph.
10:45
